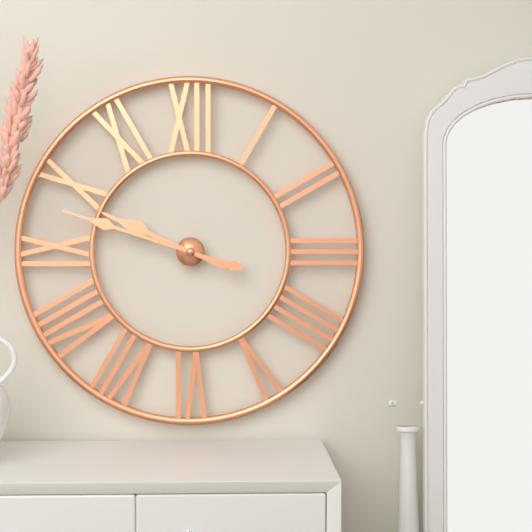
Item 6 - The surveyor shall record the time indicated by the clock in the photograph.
9:48
